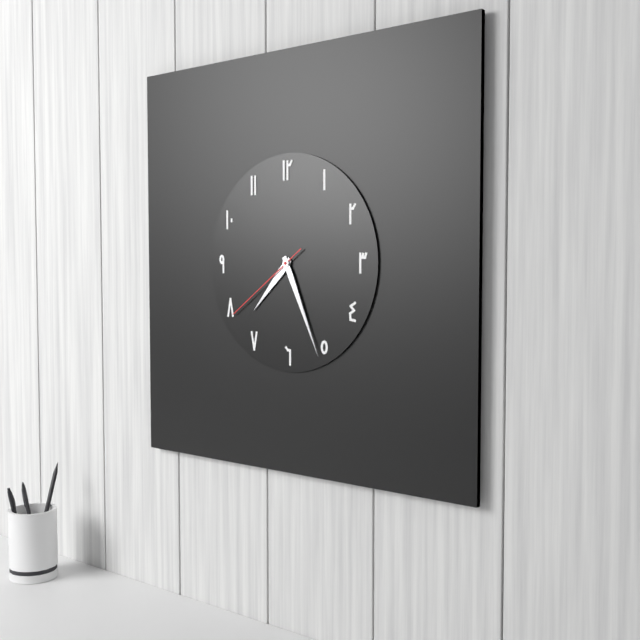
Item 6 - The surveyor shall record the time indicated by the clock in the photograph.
7:26:39
